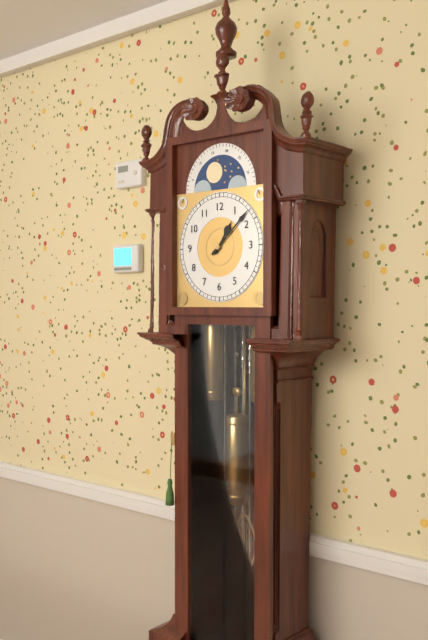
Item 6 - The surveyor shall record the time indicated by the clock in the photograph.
1:08
